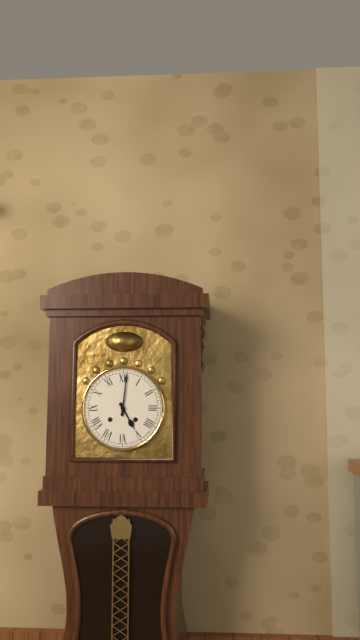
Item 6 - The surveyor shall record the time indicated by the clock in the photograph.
5:01
